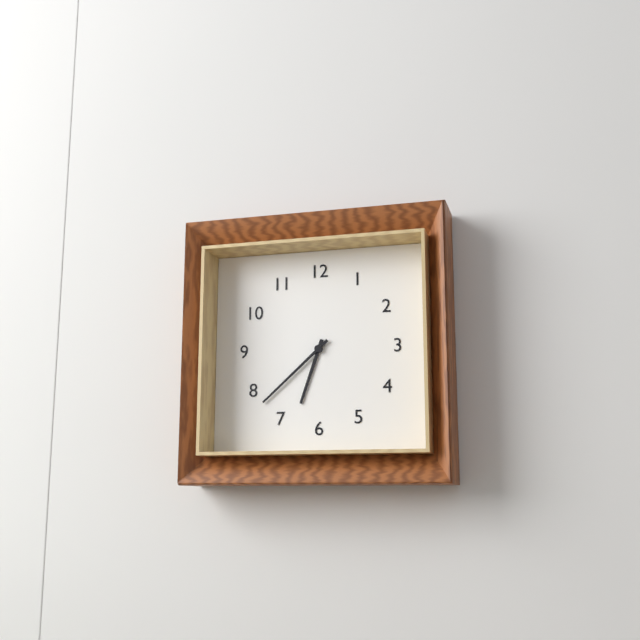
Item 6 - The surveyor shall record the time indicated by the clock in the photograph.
6:38
